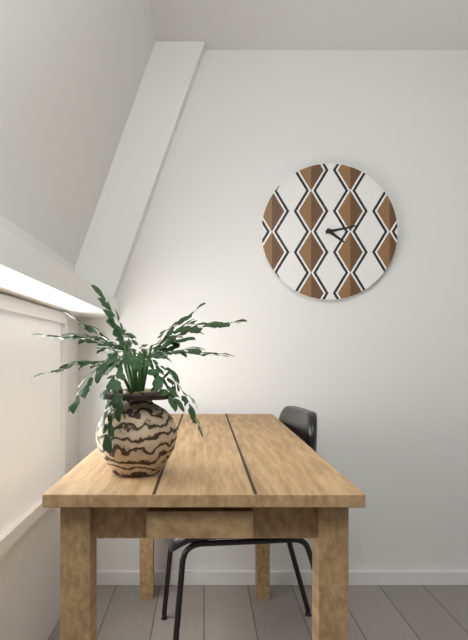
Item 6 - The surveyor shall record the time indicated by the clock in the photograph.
4:13
